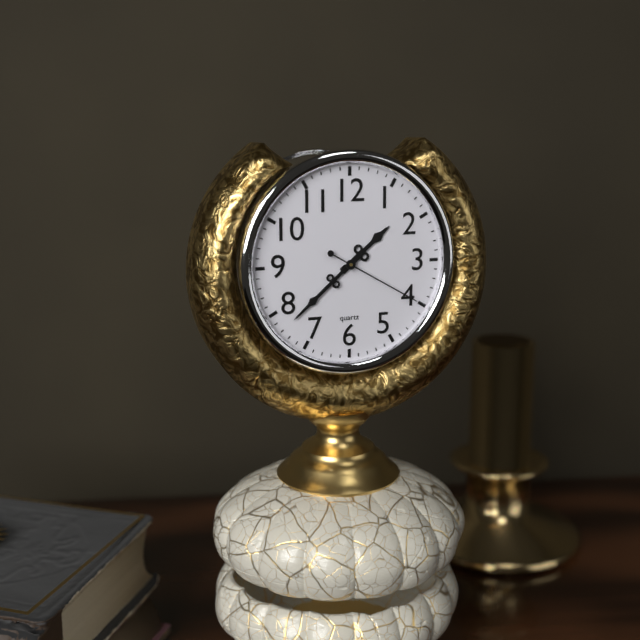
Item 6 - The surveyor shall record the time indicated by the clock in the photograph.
1:38:20
